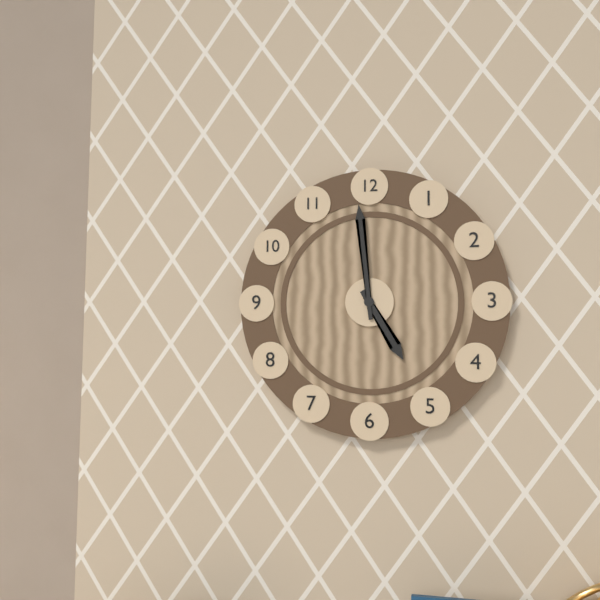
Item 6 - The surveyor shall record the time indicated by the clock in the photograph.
4:59
